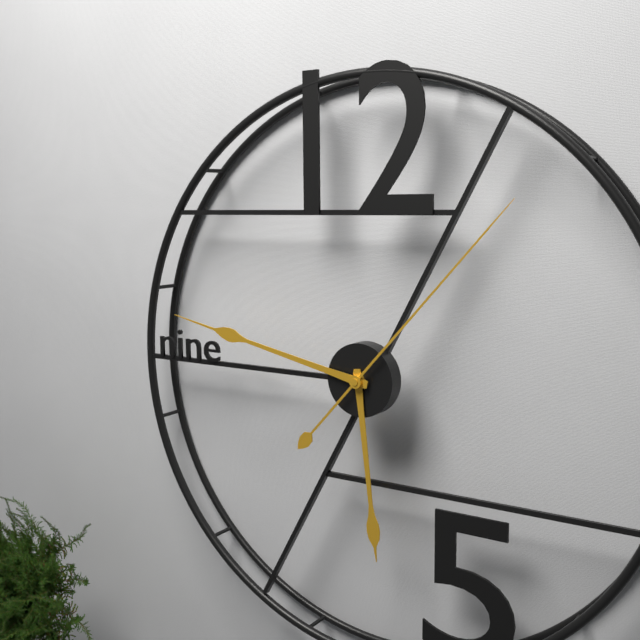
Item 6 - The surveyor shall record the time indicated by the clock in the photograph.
5:47:07
